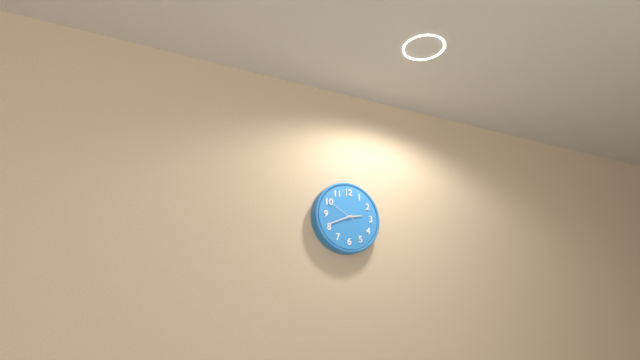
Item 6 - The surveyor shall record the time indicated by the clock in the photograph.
2:41
